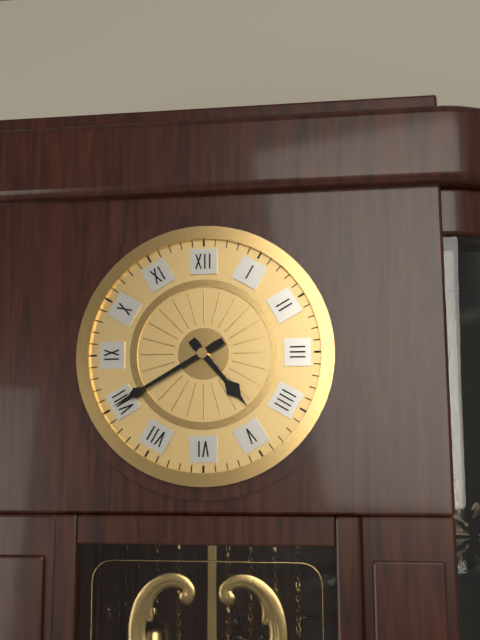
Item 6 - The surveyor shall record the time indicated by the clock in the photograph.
4:40
